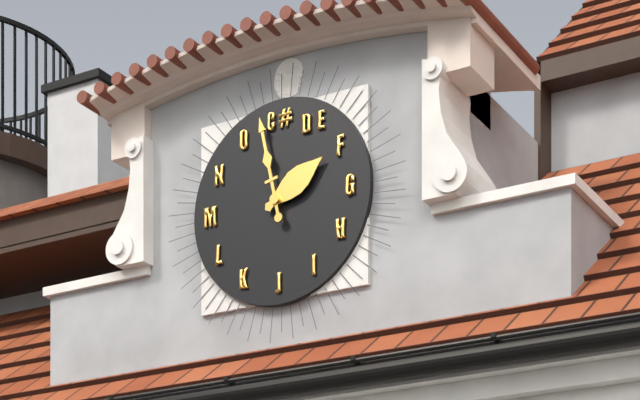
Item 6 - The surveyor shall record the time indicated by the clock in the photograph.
1:58
